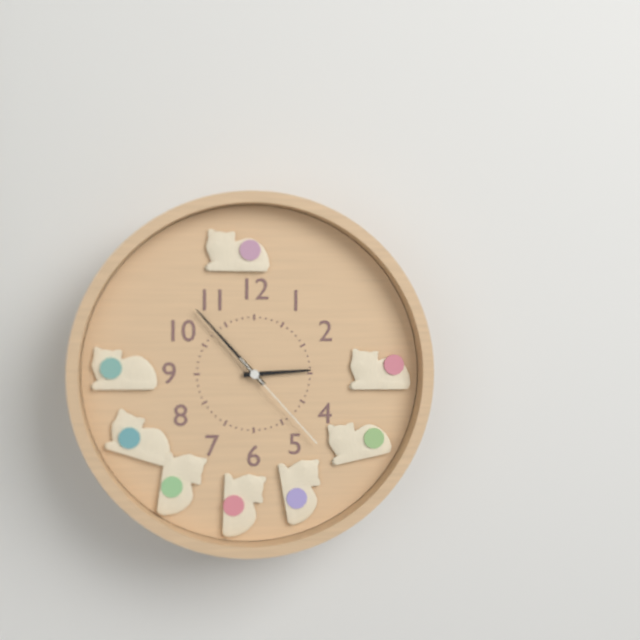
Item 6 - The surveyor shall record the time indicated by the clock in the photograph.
2:53:23
